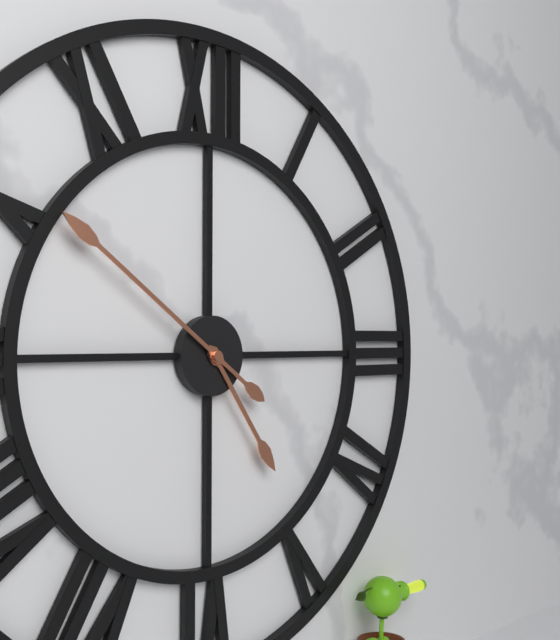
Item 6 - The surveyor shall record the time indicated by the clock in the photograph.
4:51
